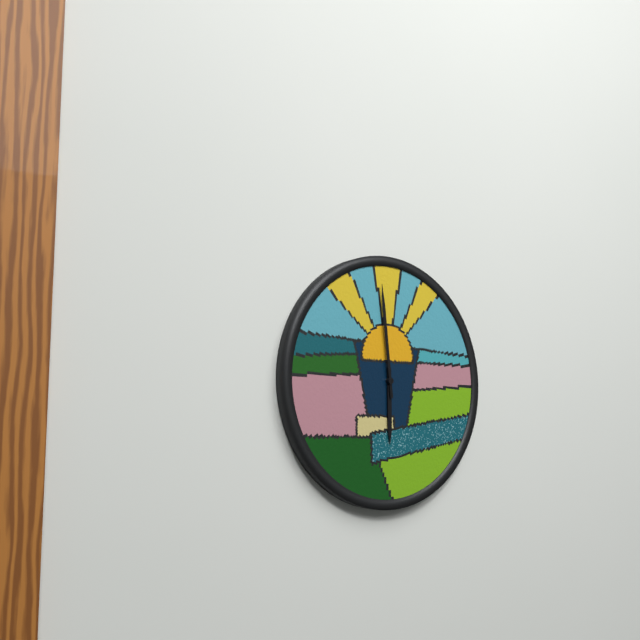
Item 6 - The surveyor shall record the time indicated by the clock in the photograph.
5:59
